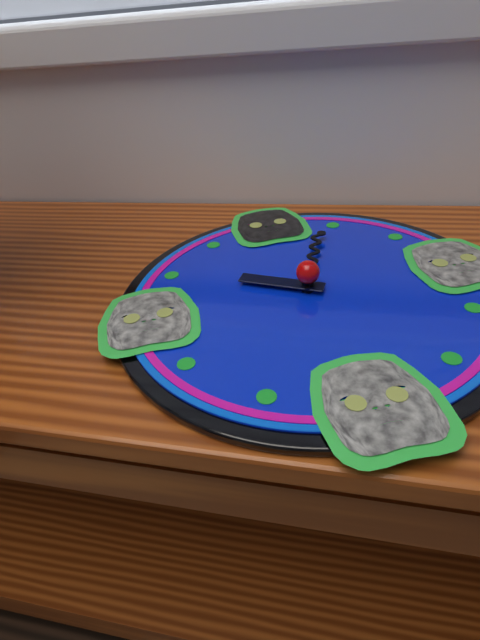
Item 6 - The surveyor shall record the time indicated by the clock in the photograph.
10:04
